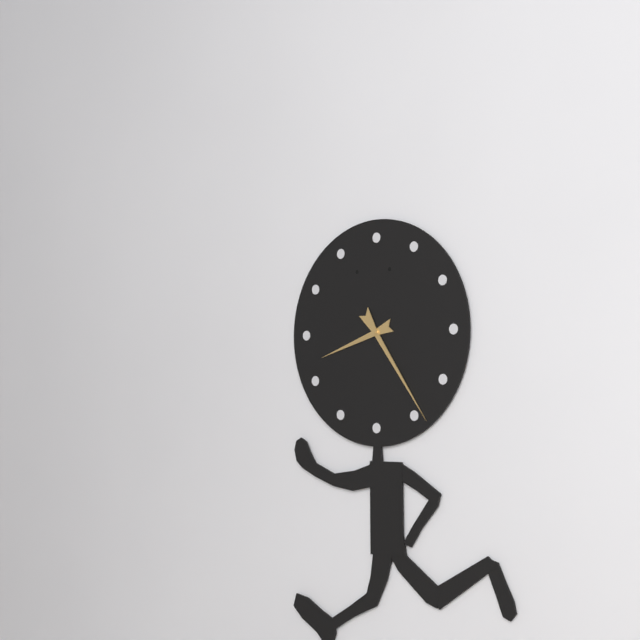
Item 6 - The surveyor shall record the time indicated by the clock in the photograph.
8:24
